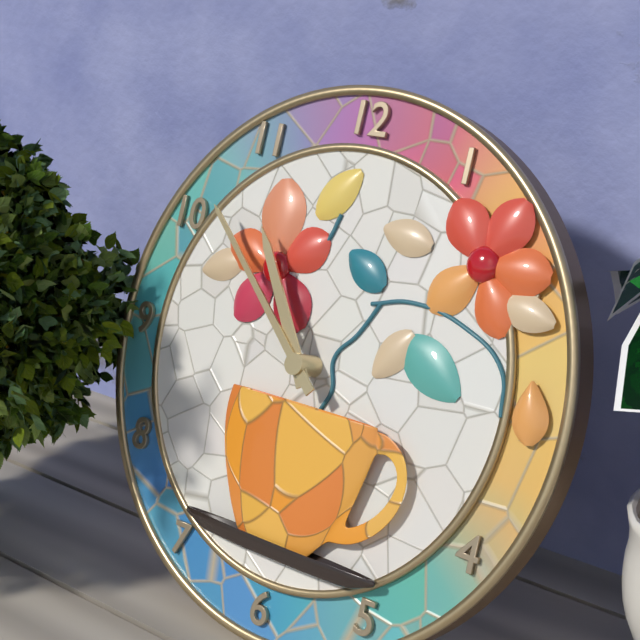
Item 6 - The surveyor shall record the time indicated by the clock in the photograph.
10:52
